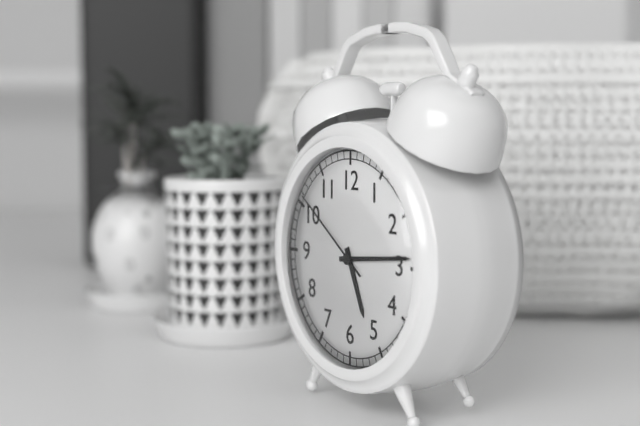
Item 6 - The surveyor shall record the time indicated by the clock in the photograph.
5:14:51
